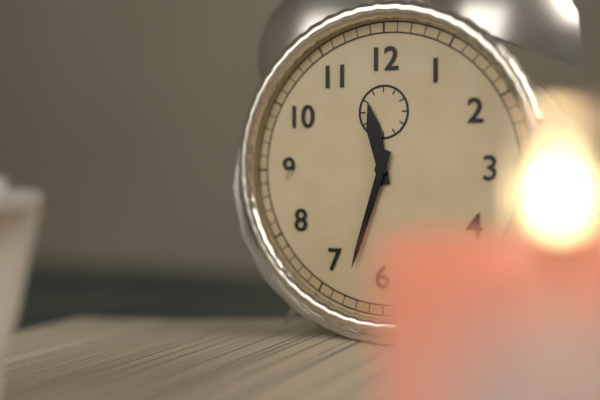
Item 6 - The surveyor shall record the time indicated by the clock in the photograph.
11:33
